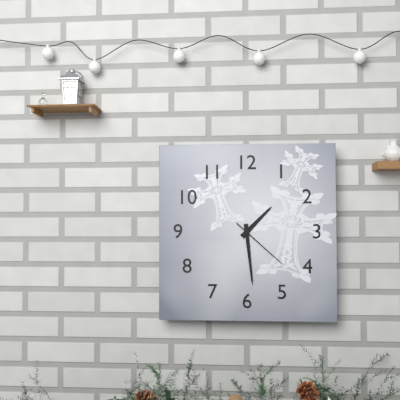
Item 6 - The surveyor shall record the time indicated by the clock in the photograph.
1:29:22
